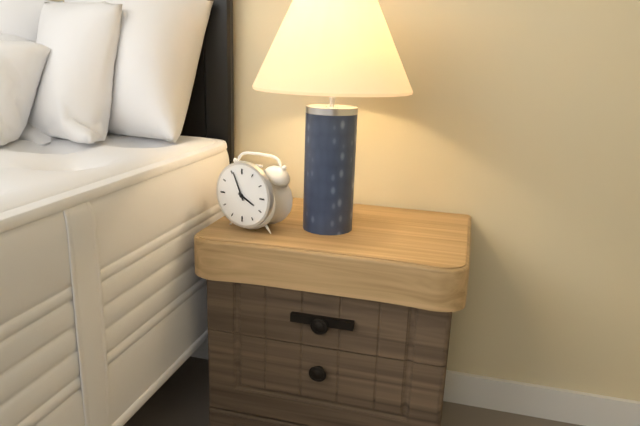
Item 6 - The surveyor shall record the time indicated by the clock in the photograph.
3:56
